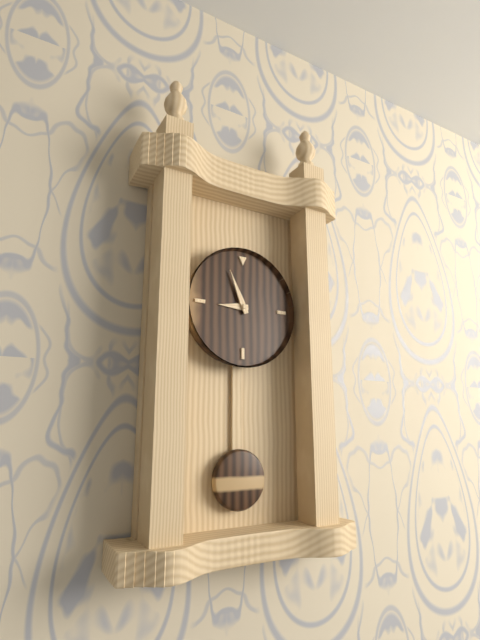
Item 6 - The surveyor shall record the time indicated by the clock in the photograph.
8:56
